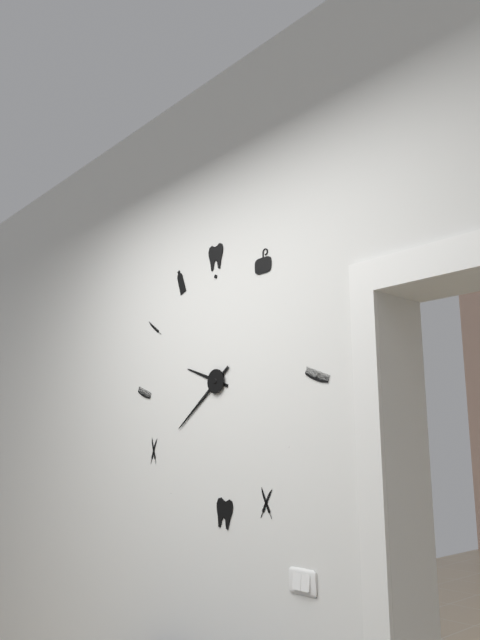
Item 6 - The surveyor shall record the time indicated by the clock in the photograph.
9:39
